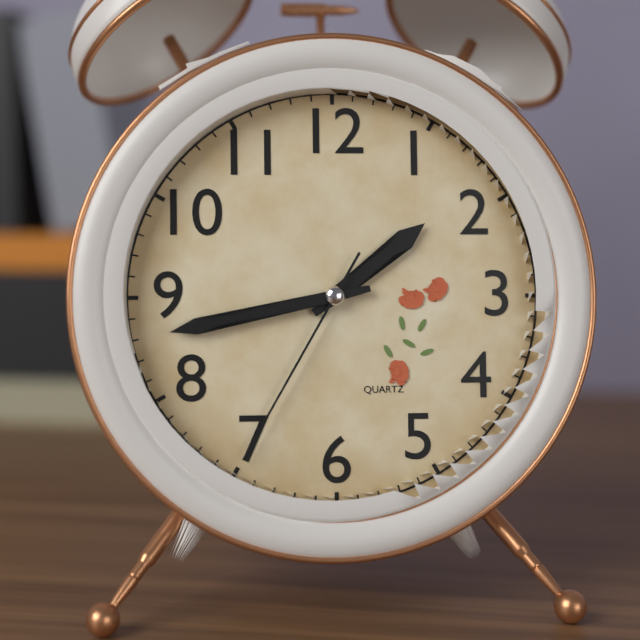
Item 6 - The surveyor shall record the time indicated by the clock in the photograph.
1:43:35
